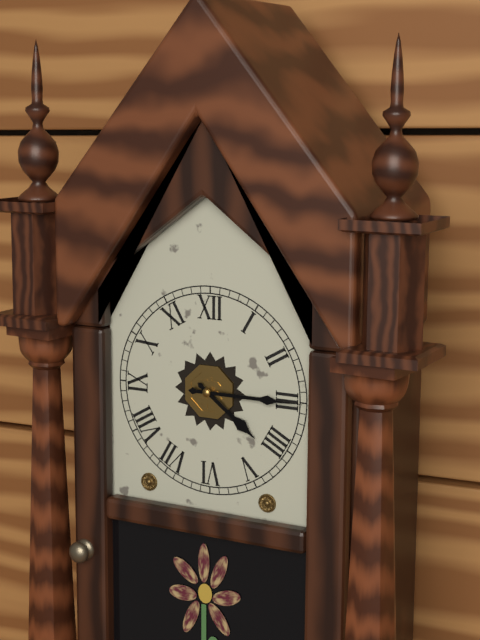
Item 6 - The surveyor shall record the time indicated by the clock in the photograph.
4:15
